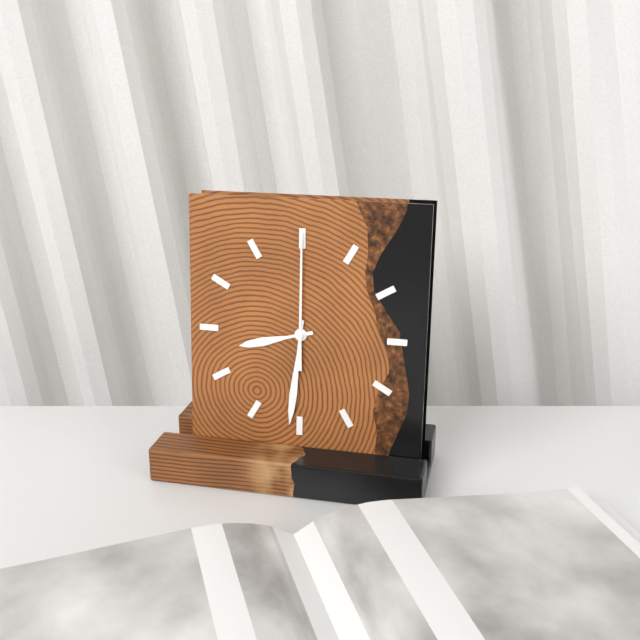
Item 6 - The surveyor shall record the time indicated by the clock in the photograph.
8:31:00
